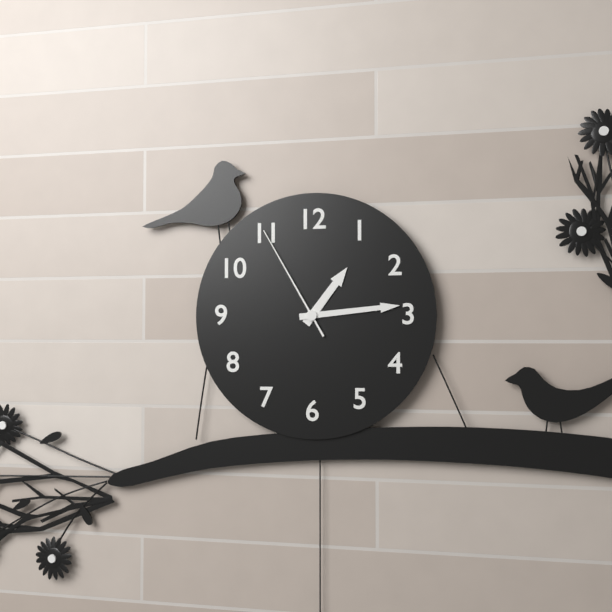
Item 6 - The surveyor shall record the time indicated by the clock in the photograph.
1:14:55
